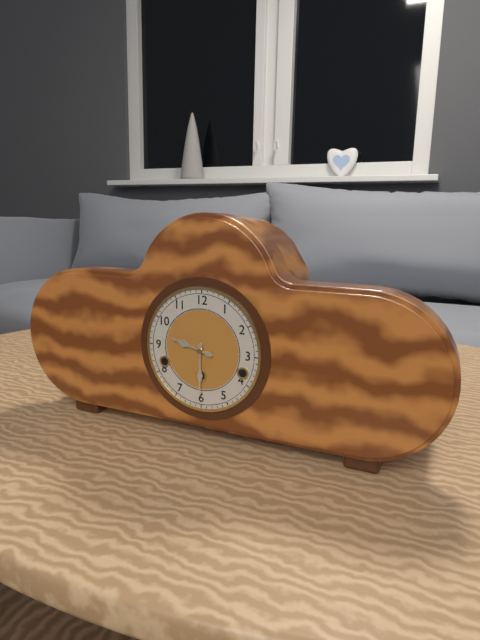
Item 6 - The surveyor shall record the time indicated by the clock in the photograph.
9:30
